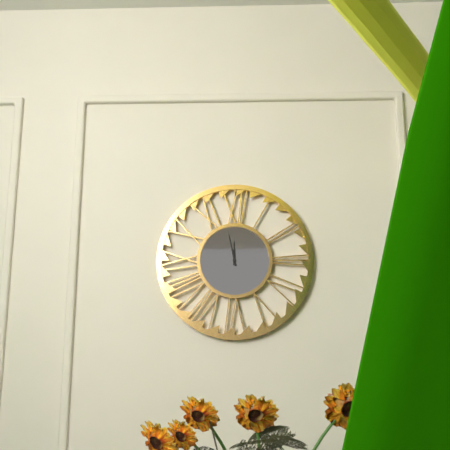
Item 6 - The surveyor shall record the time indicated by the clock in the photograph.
11:58
